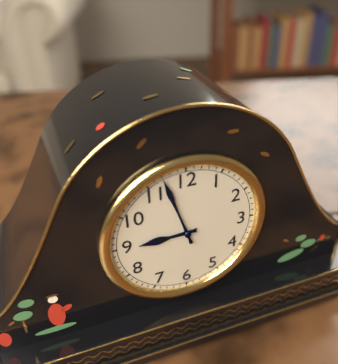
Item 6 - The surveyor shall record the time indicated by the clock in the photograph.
8:57
